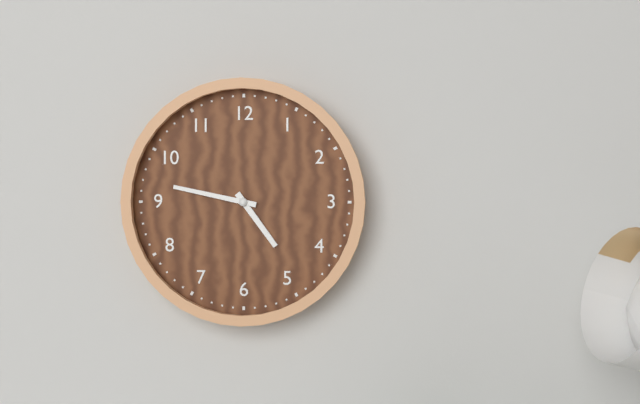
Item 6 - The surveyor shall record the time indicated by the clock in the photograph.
4:47
